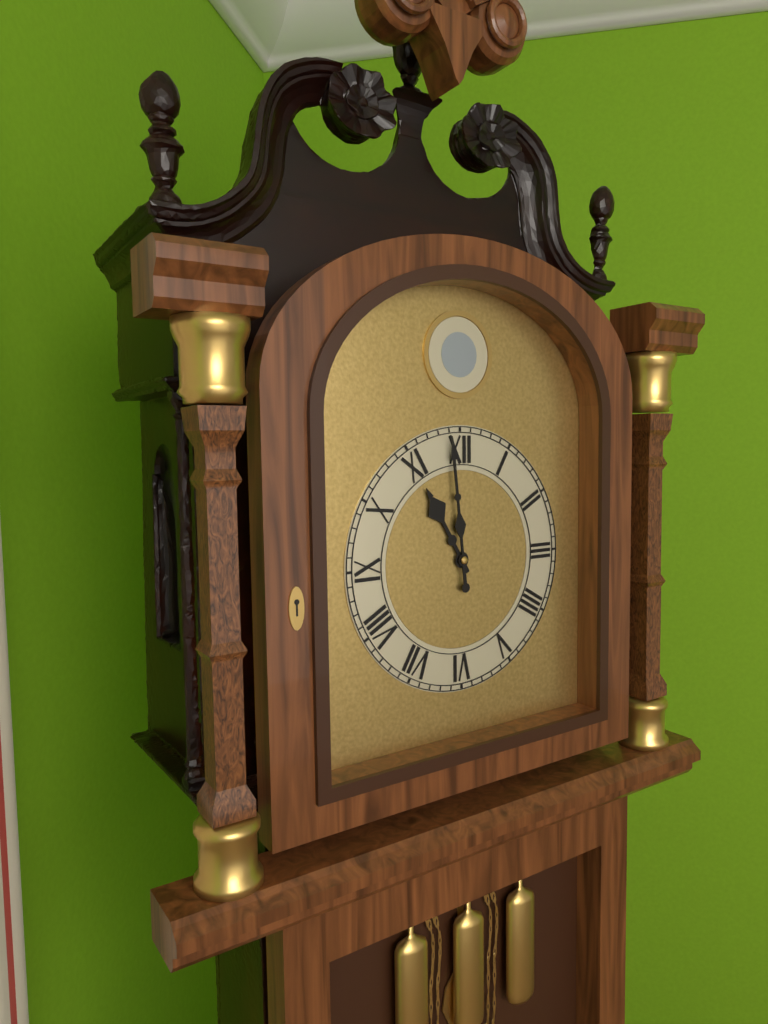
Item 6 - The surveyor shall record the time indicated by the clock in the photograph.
10:59
